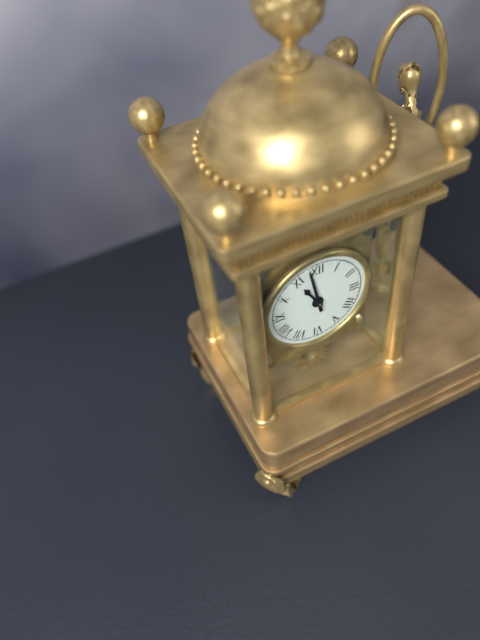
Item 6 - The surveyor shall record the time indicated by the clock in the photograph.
10:58
